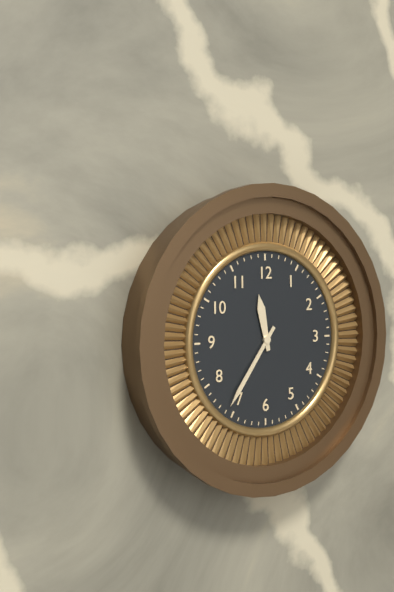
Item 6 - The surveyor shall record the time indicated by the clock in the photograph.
11:36
